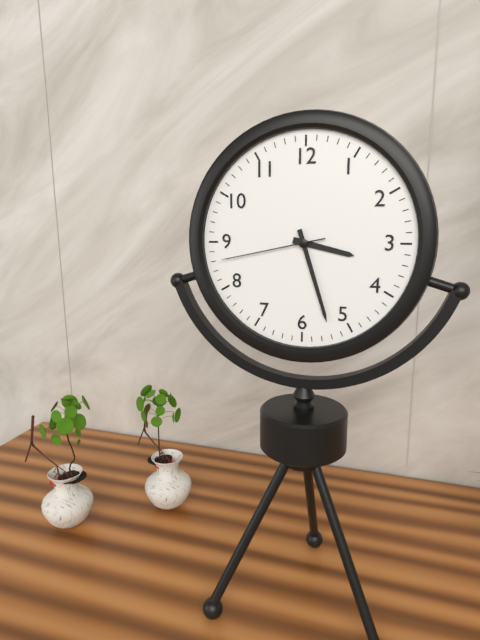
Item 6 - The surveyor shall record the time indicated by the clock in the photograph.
3:27:43
